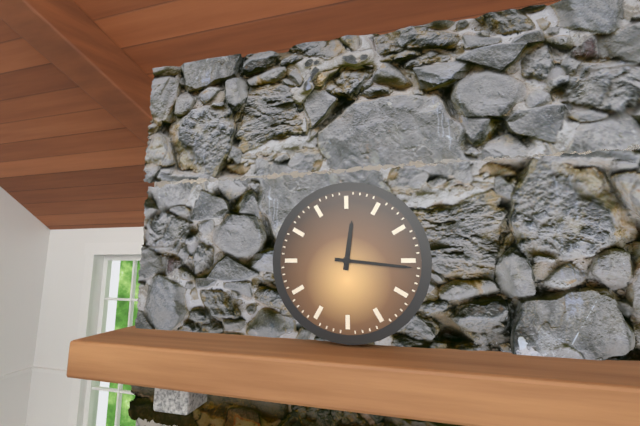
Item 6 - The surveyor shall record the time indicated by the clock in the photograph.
12:16
